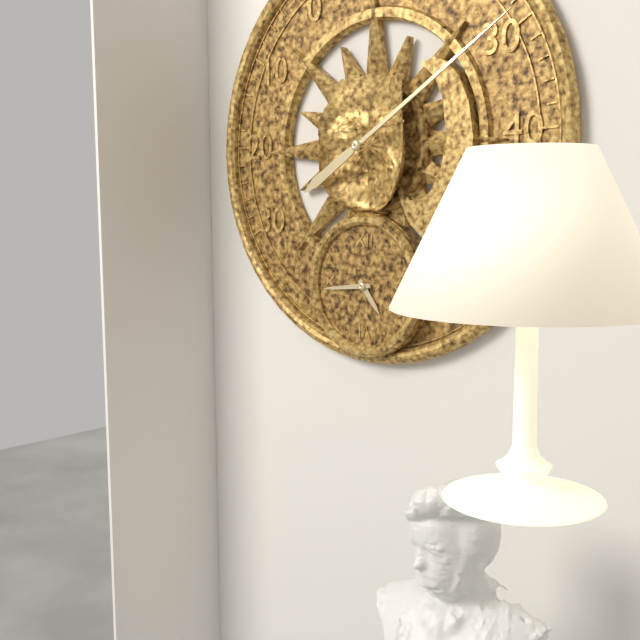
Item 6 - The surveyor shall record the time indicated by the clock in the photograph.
4:44
